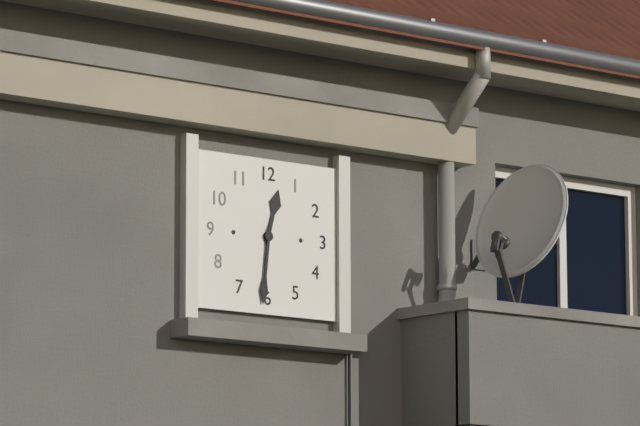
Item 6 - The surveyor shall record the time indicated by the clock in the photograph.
12:31
